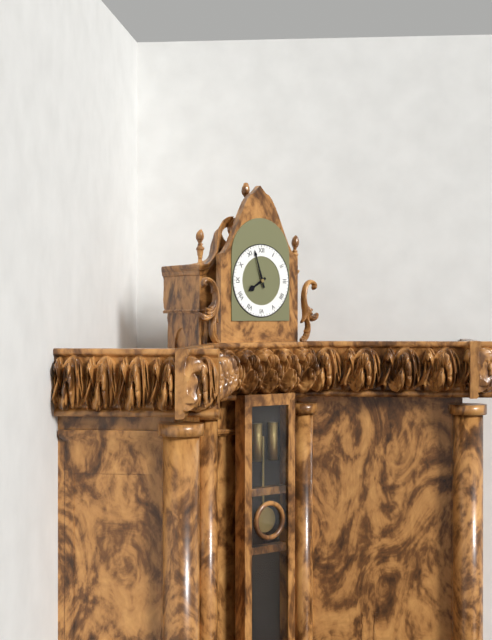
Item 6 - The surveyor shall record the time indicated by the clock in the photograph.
7:57
